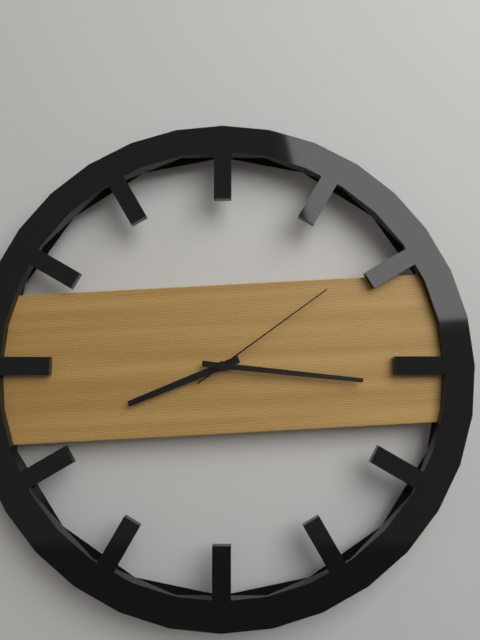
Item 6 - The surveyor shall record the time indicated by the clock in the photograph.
8:16:09
